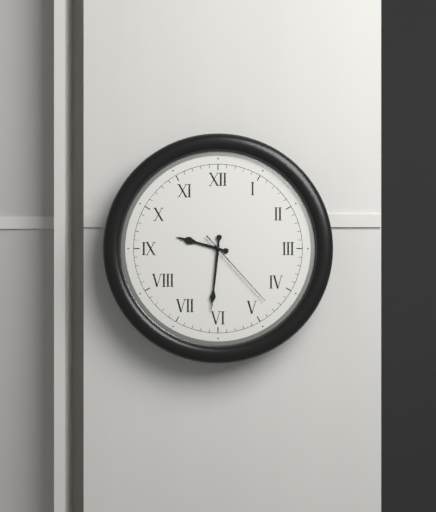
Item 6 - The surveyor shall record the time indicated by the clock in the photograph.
9:31:23
